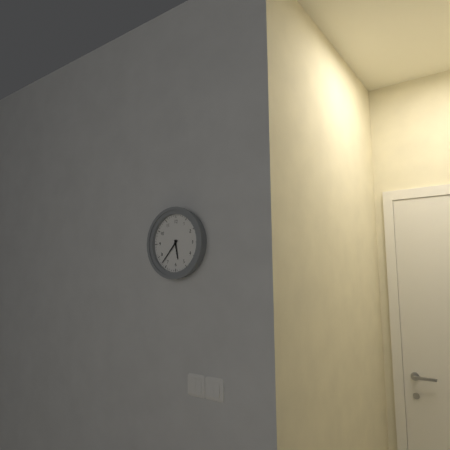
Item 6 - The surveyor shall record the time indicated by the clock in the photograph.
5:37
